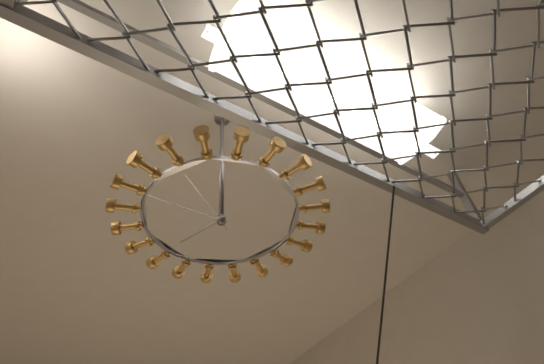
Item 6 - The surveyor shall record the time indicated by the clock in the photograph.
6:45:51
